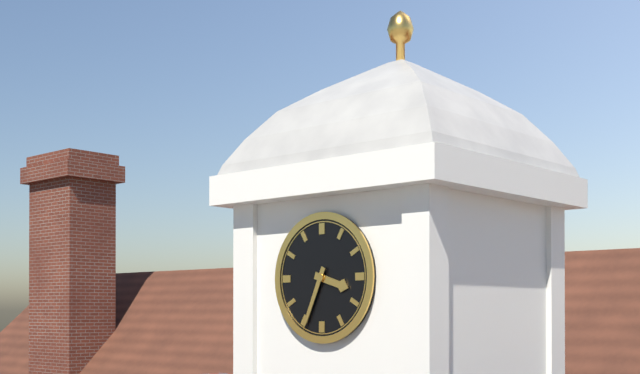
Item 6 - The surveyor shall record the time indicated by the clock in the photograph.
3:34
